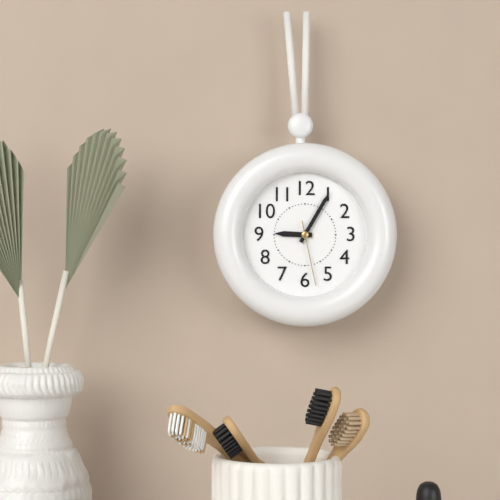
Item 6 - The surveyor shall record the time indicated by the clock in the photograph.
9:05:28
